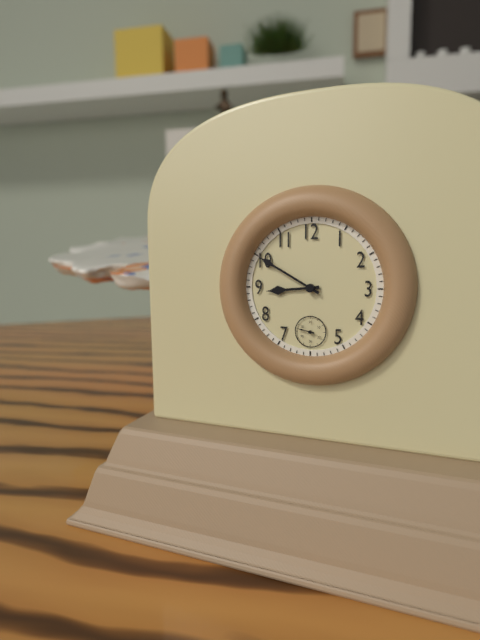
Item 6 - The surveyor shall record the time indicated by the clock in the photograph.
8:50
